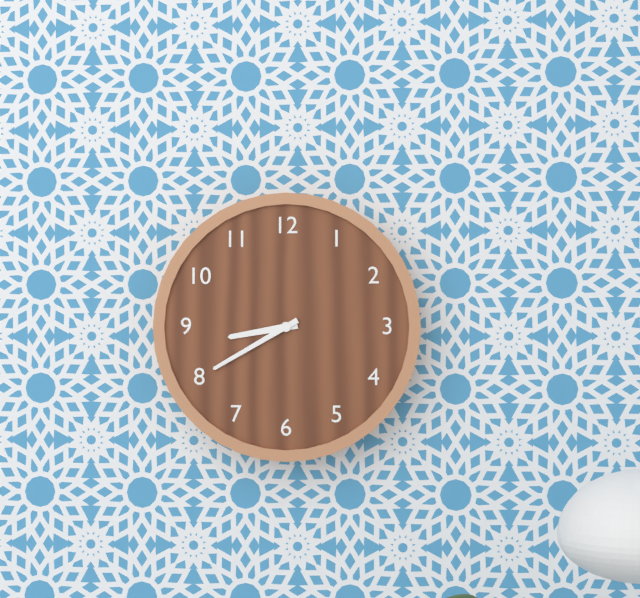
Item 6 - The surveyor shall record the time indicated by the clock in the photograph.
8:40
